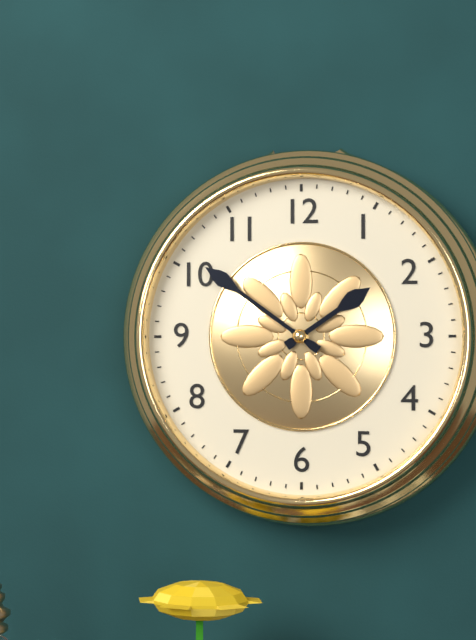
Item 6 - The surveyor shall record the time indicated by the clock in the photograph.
1:51
